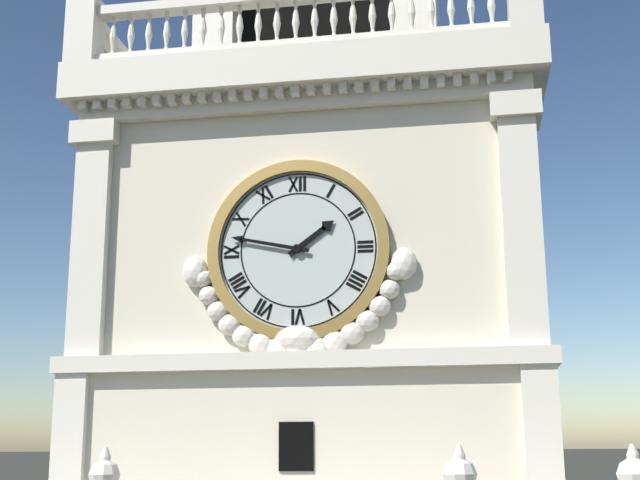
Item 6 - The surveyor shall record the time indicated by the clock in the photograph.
1:47
